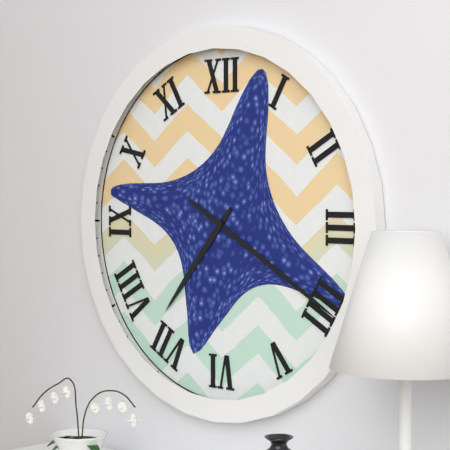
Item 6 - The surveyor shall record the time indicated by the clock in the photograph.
7:20
